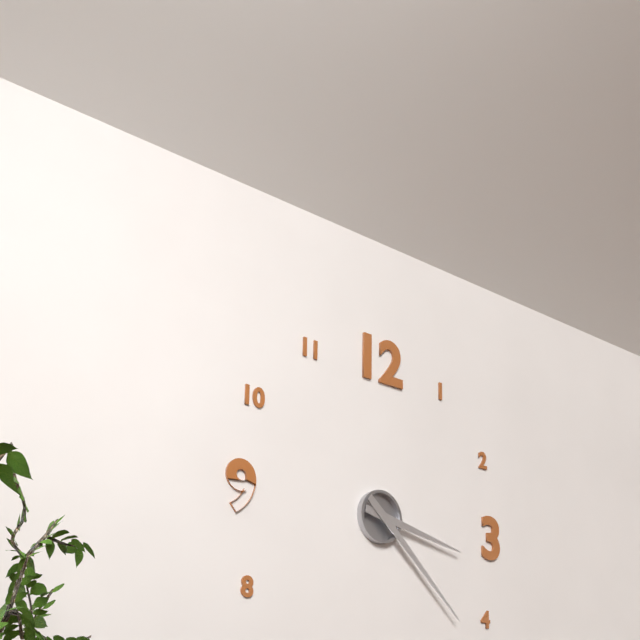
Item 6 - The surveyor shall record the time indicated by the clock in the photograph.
3:22
